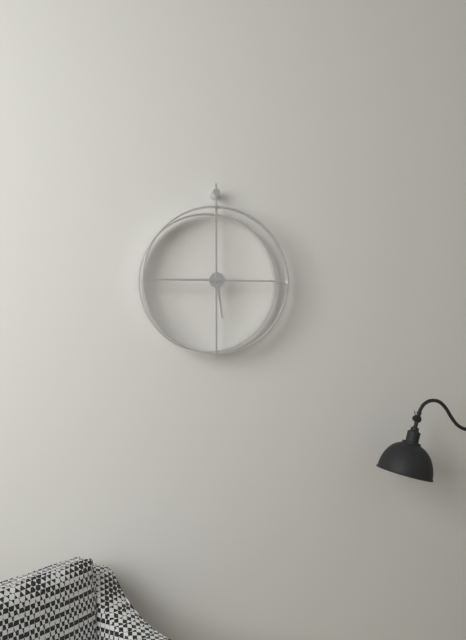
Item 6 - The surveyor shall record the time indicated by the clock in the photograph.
5:45
